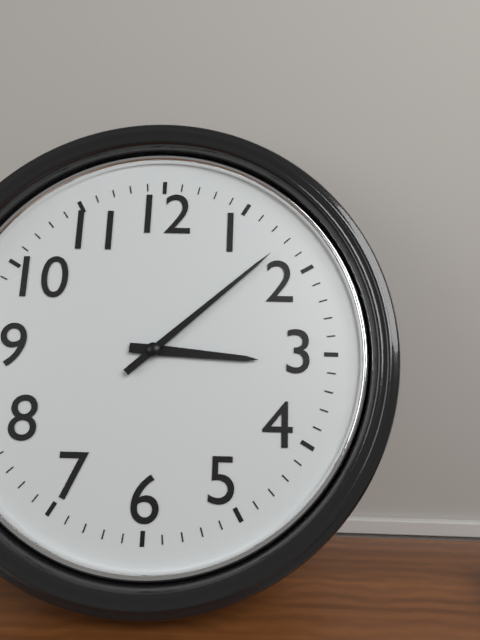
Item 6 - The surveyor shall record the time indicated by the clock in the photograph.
3:08
